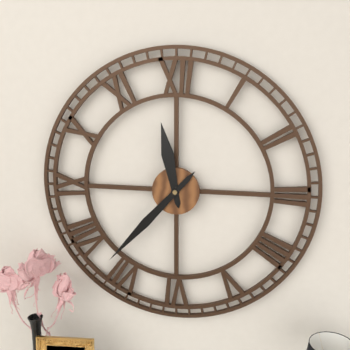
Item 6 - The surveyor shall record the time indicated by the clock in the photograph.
11:37
